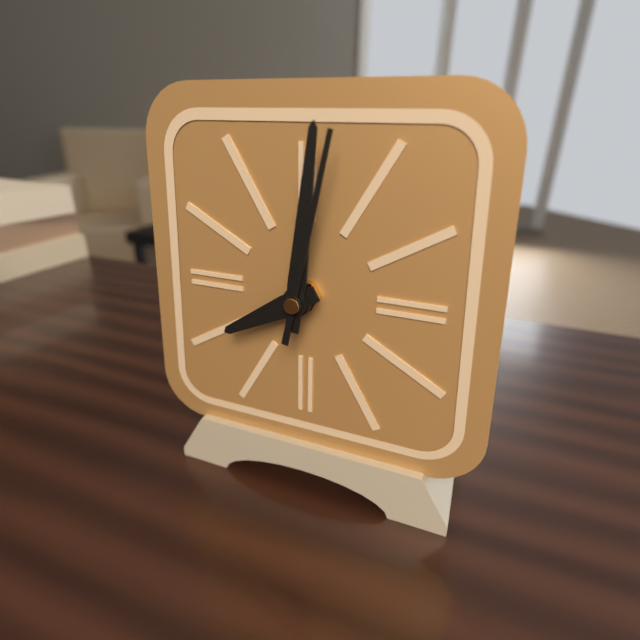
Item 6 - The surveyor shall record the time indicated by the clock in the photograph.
8:01:02
